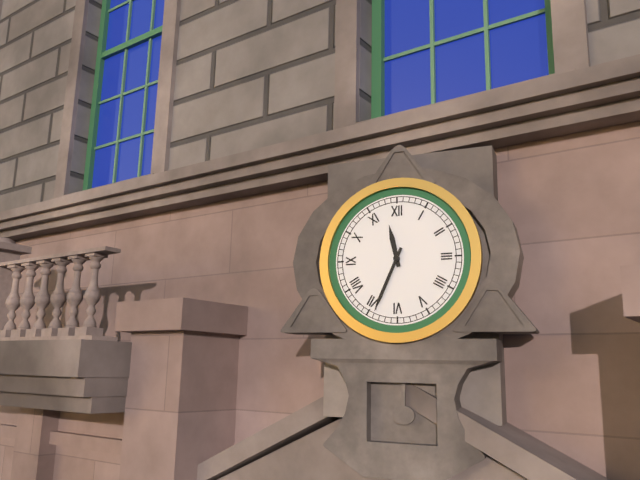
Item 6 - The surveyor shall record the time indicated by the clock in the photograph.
11:34
